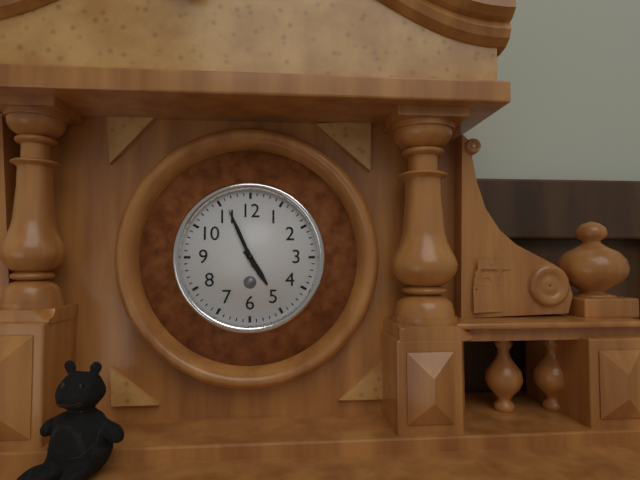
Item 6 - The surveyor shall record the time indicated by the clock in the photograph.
4:56
